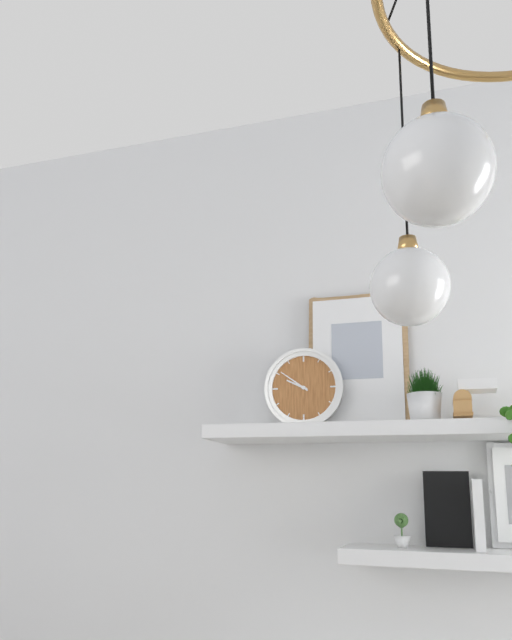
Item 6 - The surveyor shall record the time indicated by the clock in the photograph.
9:51
